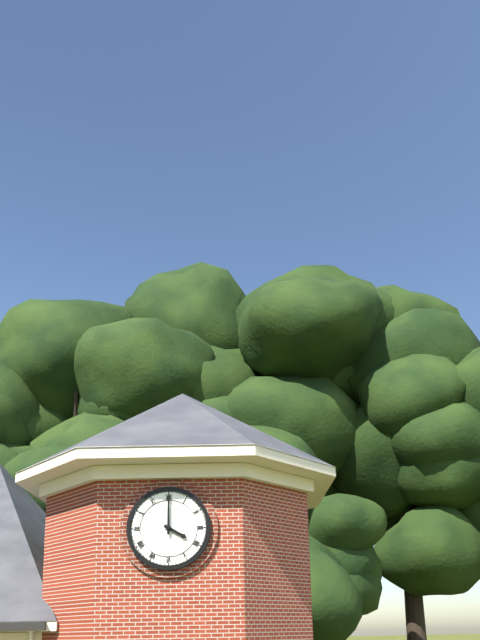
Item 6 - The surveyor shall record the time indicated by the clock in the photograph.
4:00
